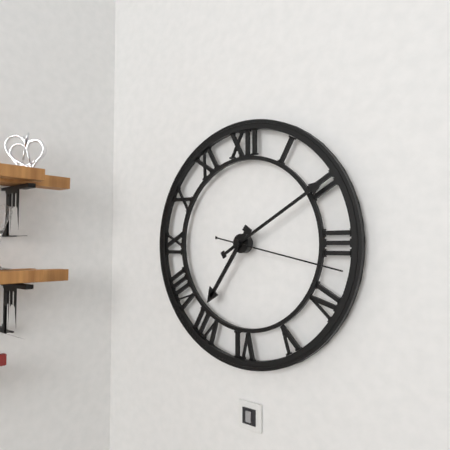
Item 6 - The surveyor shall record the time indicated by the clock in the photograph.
7:10:17
